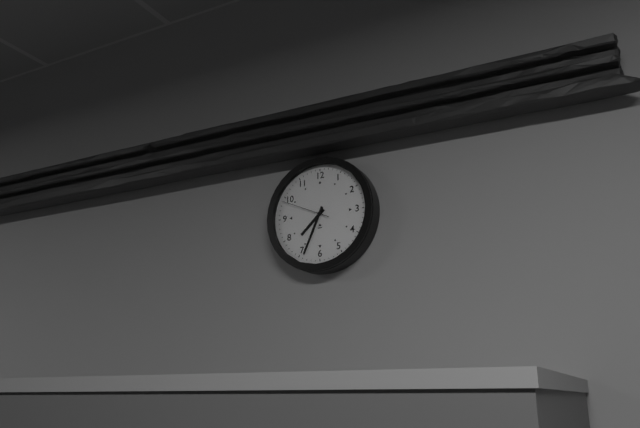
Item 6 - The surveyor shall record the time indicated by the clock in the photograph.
7:34
